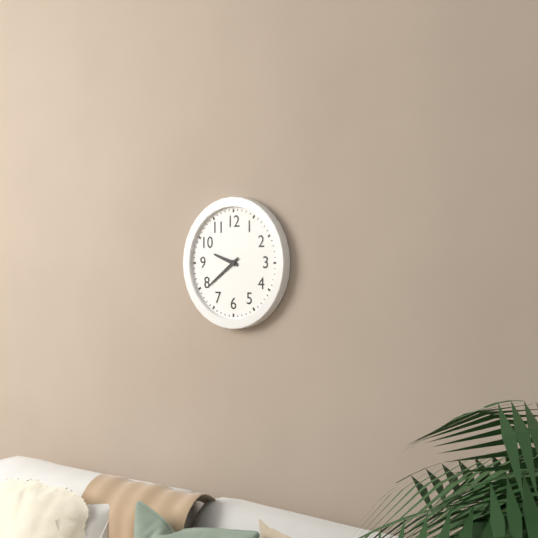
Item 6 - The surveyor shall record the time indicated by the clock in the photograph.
9:39
